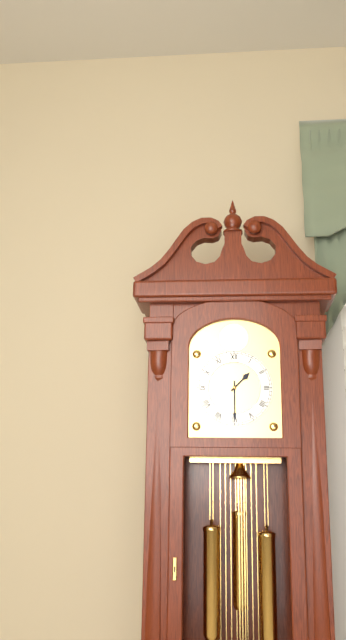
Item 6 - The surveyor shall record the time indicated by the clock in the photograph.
1:30
